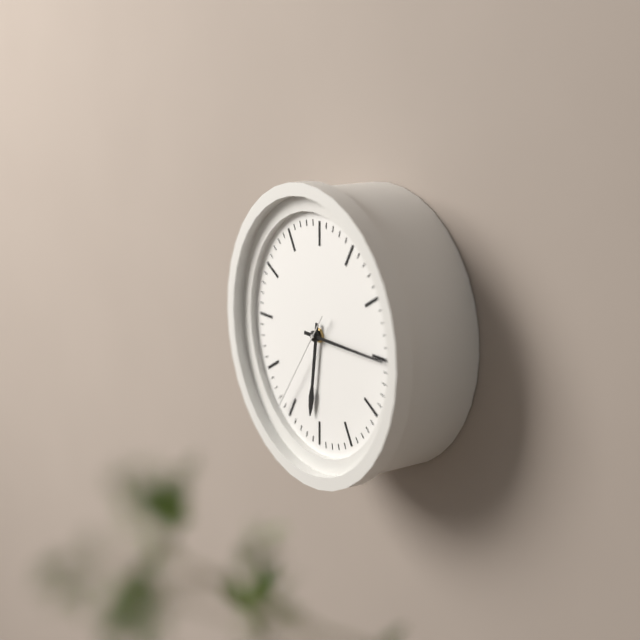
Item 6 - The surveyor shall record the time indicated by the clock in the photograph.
6:15:36
